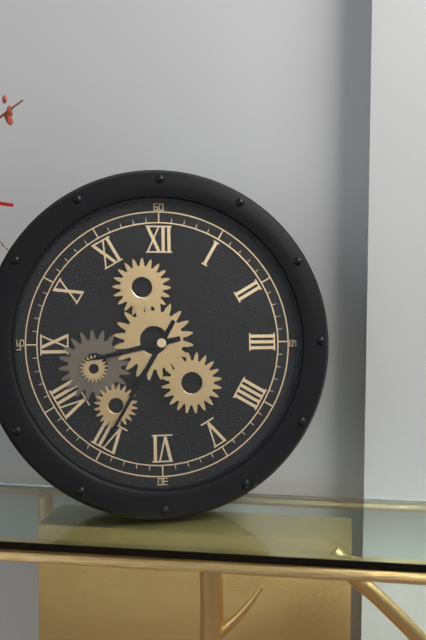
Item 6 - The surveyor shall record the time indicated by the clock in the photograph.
8:35
